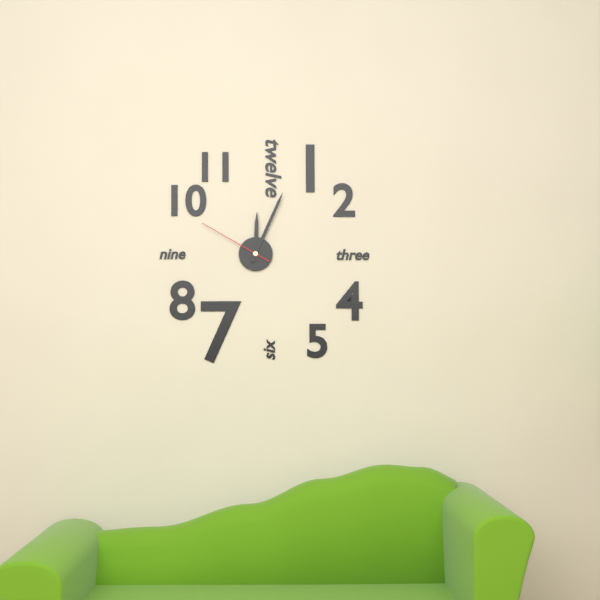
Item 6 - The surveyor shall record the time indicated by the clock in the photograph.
12:04:50
